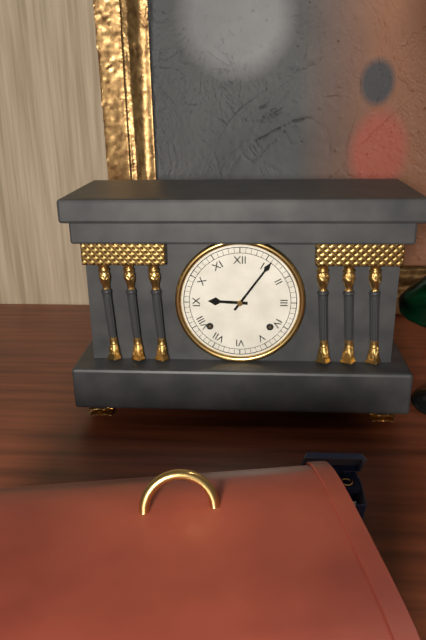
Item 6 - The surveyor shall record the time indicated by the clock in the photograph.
9:06
